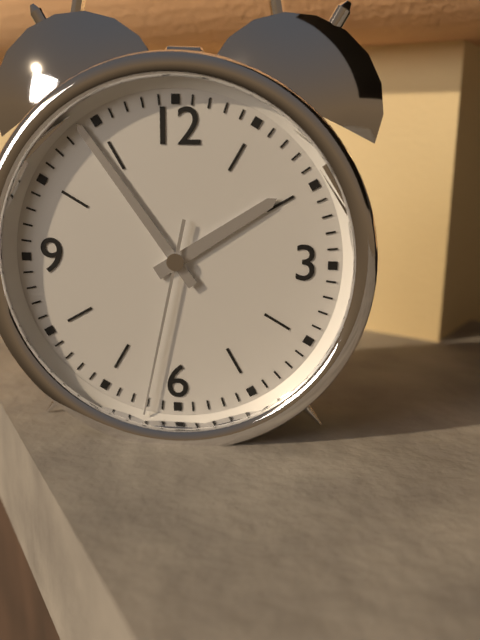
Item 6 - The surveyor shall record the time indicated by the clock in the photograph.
1:54:32
